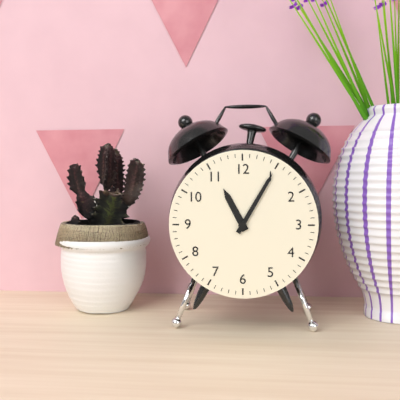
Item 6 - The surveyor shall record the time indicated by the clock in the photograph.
11:05
